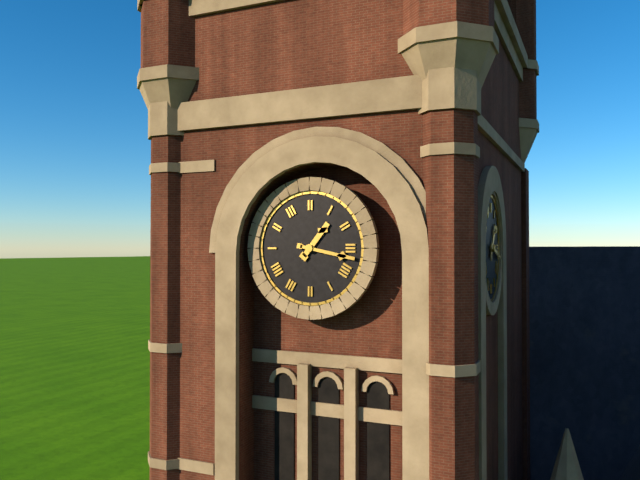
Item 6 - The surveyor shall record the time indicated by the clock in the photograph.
1:17
